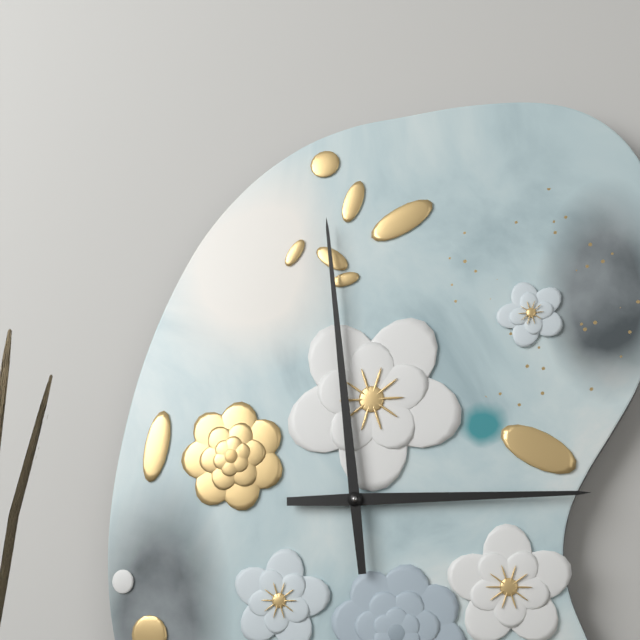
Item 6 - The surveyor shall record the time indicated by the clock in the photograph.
2:59
